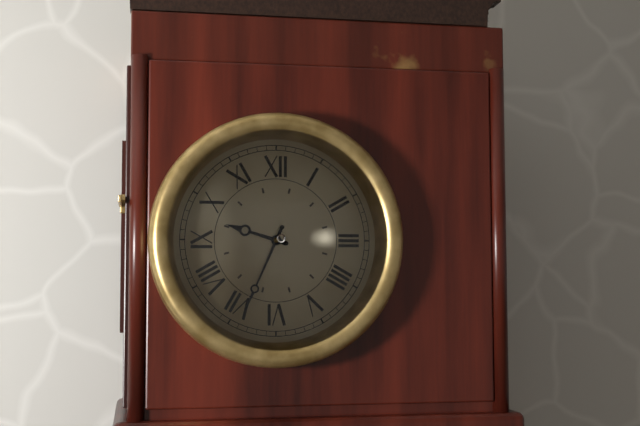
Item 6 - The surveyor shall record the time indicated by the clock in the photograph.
9:34
